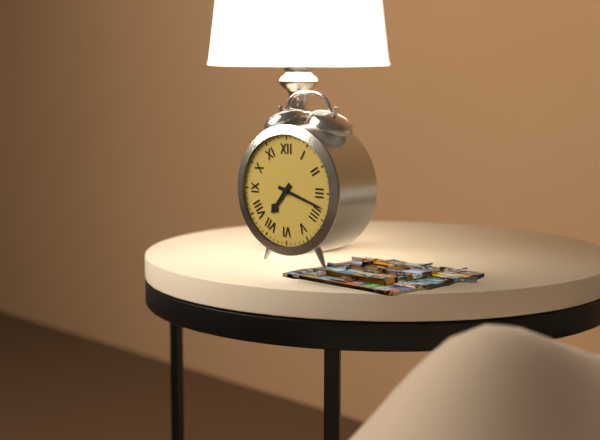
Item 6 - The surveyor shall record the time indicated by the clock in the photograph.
7:18
